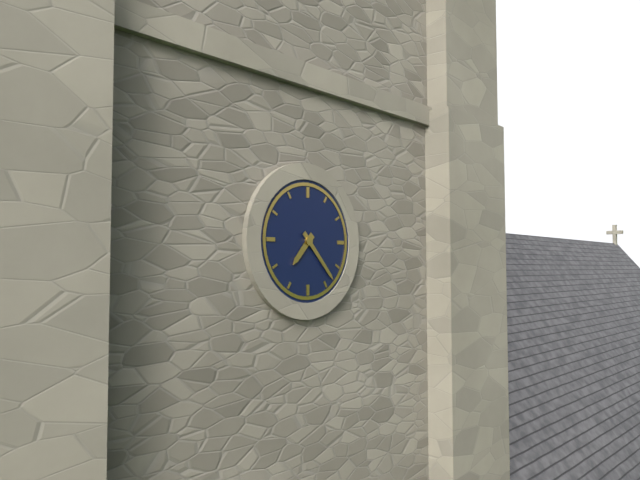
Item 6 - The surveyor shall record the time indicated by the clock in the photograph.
7:23
